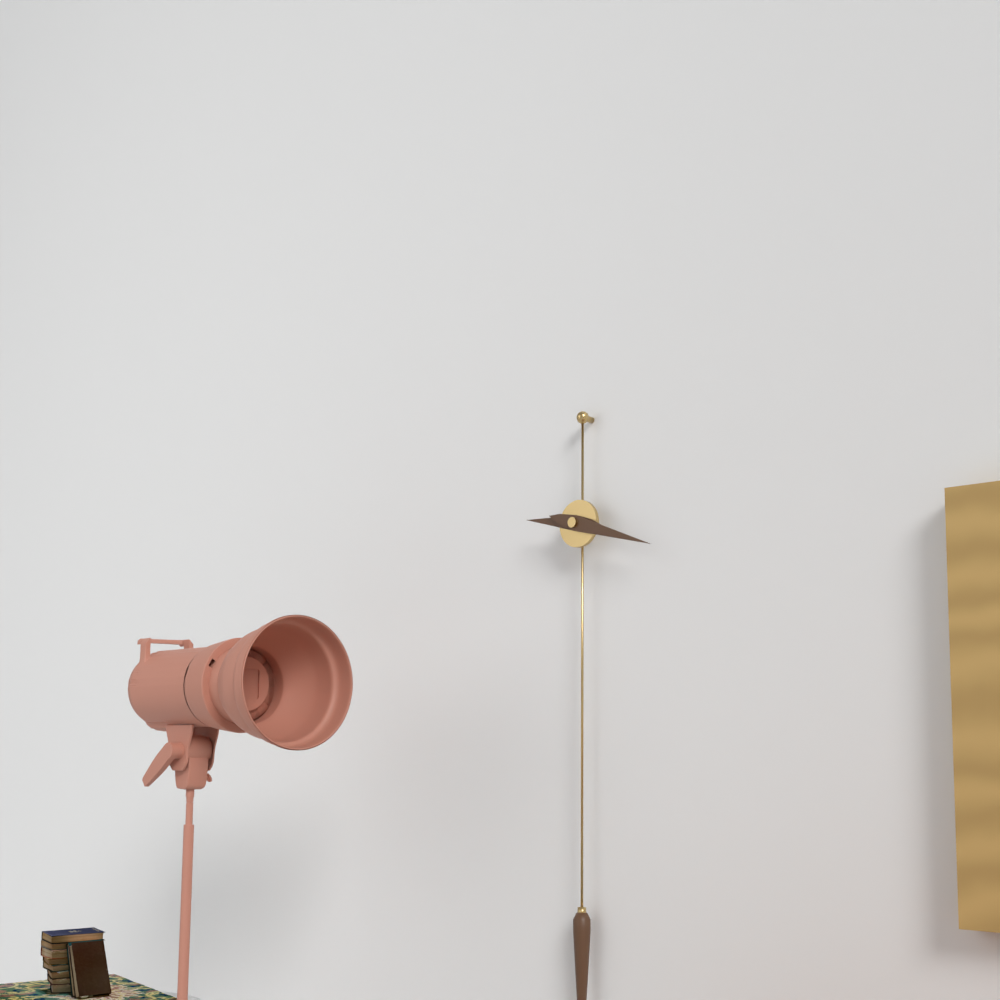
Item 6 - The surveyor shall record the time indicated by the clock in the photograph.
9:18
